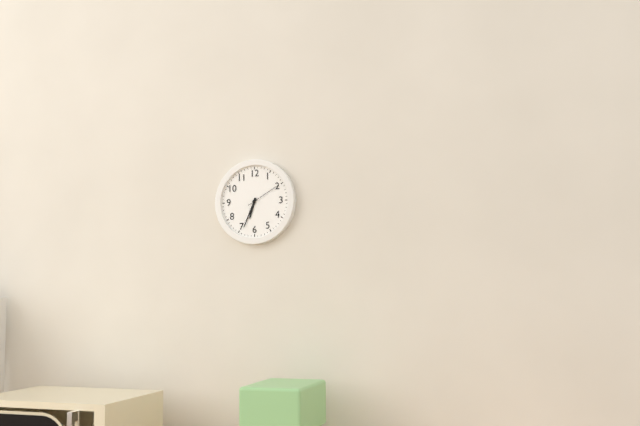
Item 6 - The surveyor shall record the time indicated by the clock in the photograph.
6:34
